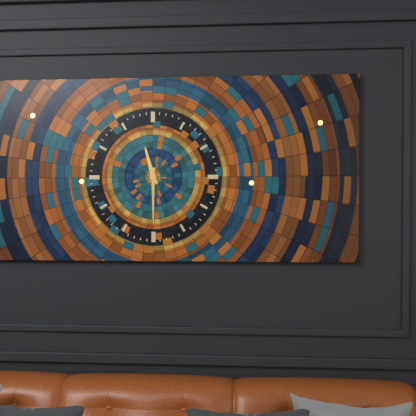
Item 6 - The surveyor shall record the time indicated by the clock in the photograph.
11:30
